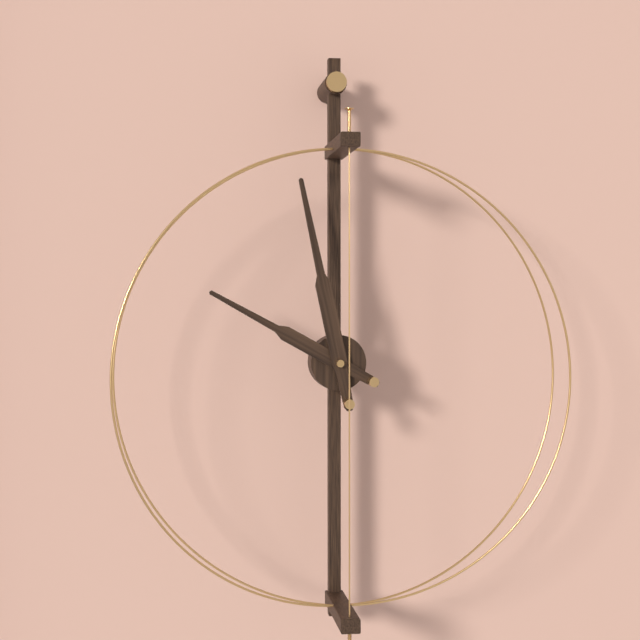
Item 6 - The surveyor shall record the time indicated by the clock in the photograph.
9:58
